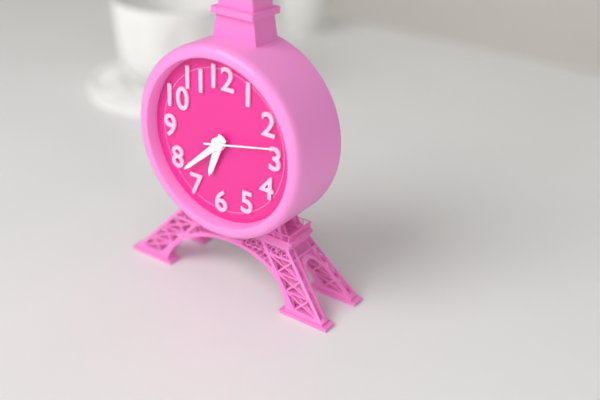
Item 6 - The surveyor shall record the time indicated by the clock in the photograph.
6:38:13
